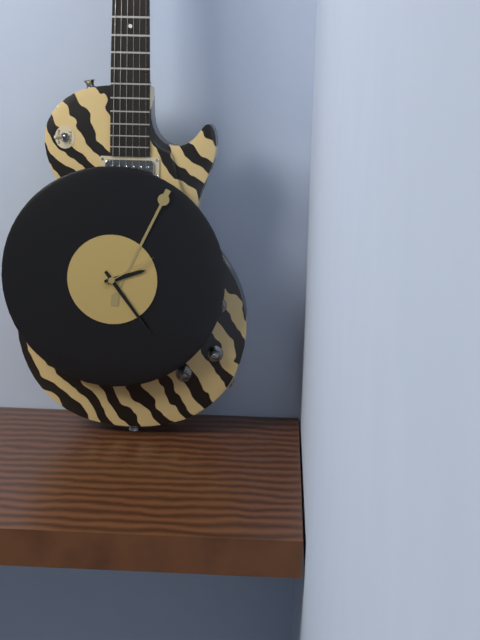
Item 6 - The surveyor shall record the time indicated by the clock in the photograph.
2:24:10
